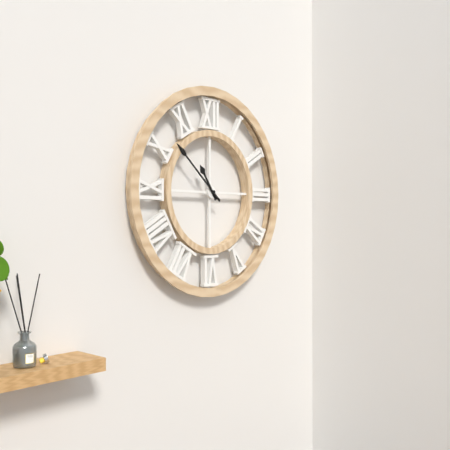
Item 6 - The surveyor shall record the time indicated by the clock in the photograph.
10:52
